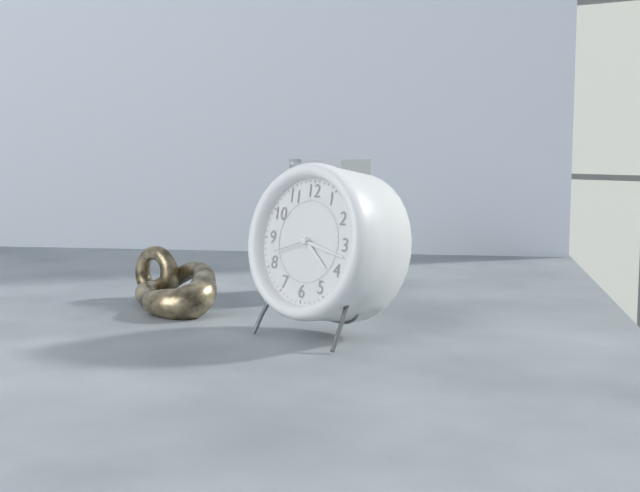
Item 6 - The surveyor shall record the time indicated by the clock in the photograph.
4:17
